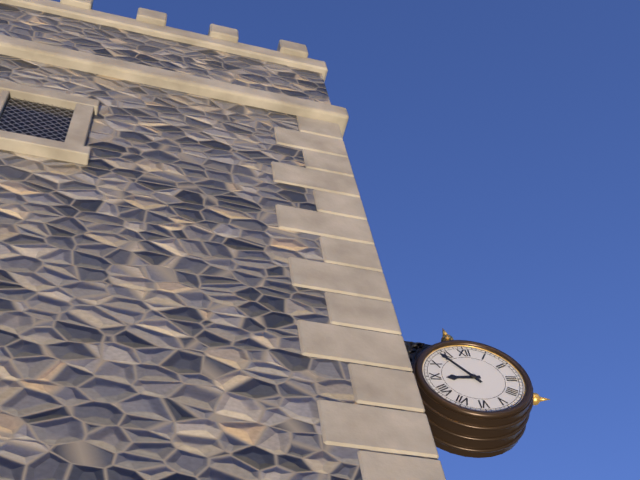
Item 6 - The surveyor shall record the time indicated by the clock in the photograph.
8:54
